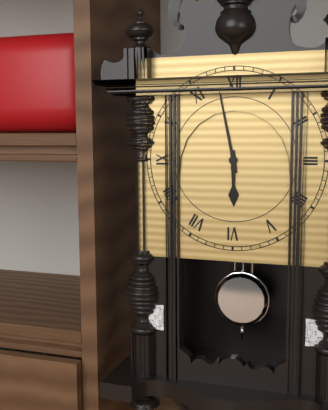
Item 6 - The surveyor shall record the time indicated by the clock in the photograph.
5:58
